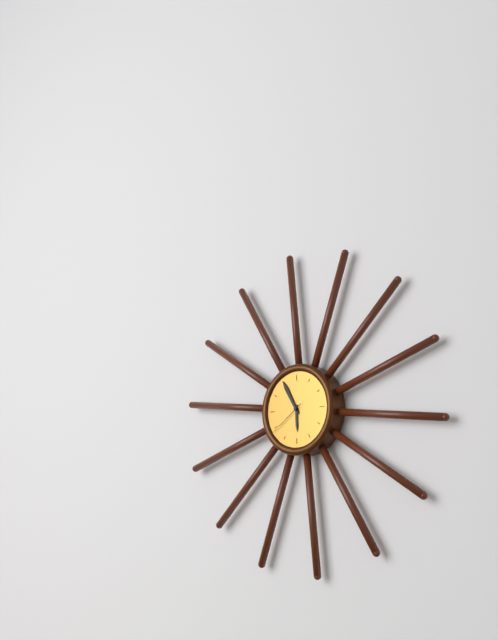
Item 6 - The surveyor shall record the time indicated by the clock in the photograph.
5:55
